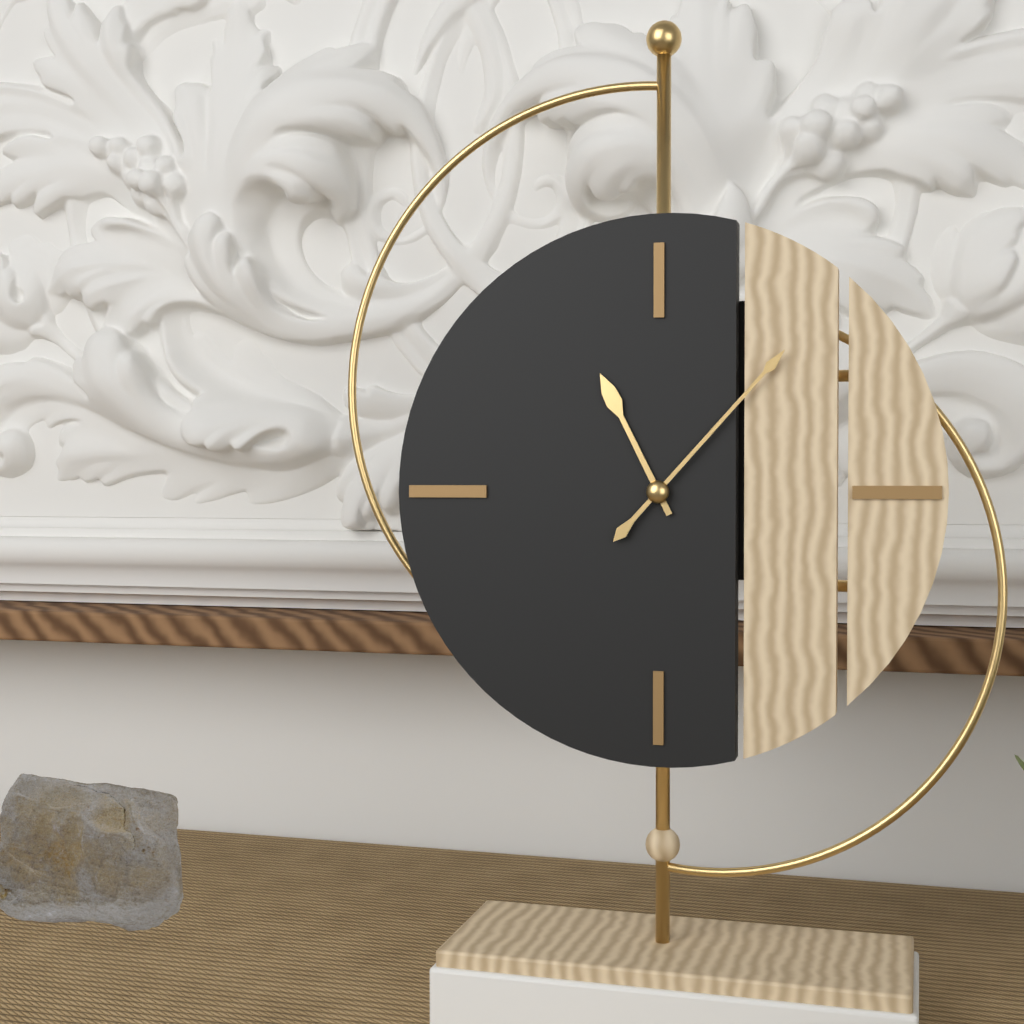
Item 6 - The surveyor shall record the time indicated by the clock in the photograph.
11:07
